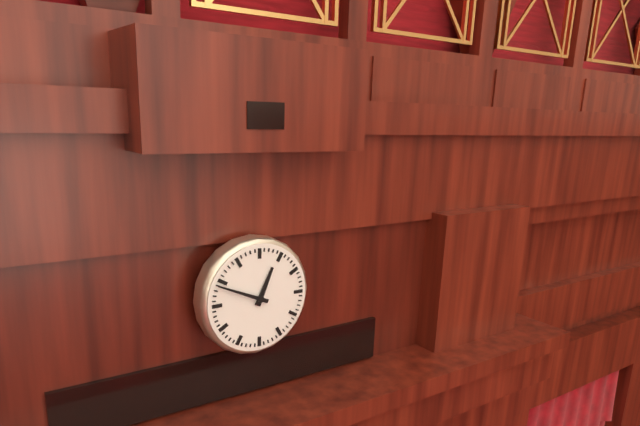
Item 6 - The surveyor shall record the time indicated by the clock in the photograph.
12:49
